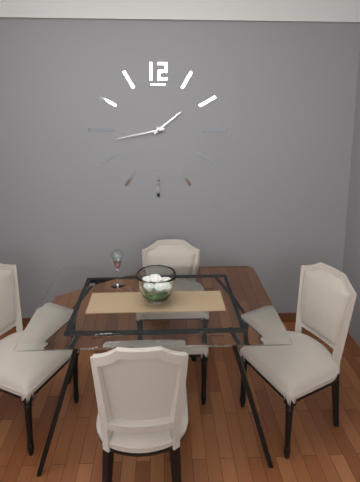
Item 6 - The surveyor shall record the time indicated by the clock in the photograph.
1:43
